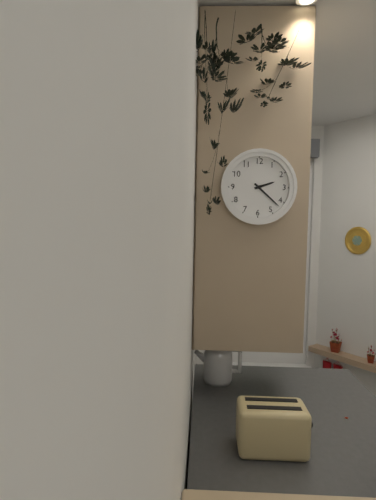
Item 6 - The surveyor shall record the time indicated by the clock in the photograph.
2:22
